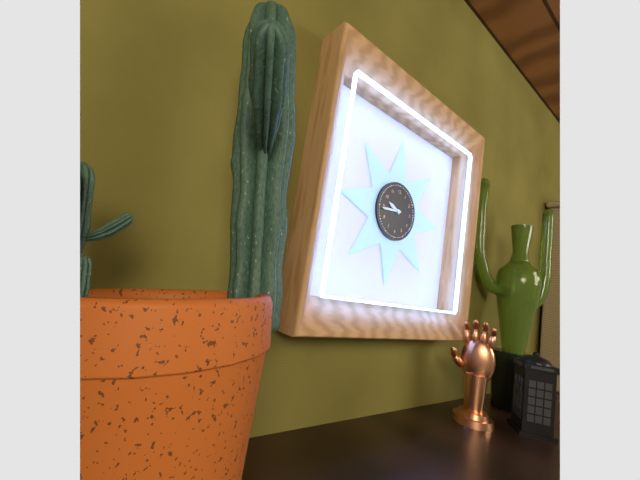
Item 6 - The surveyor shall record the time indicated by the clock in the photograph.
9:44
